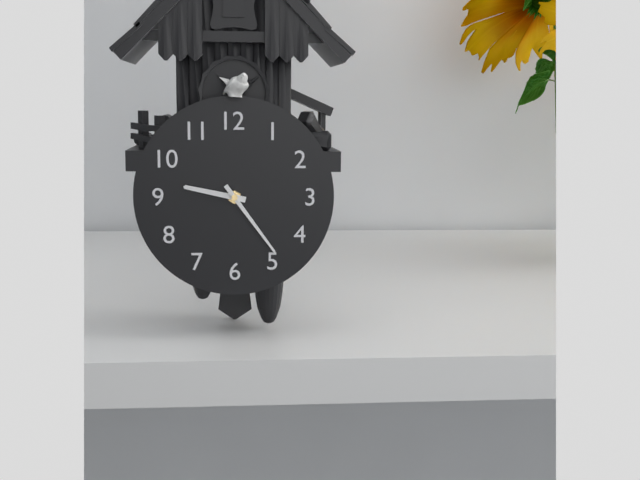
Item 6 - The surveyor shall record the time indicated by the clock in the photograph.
9:24
